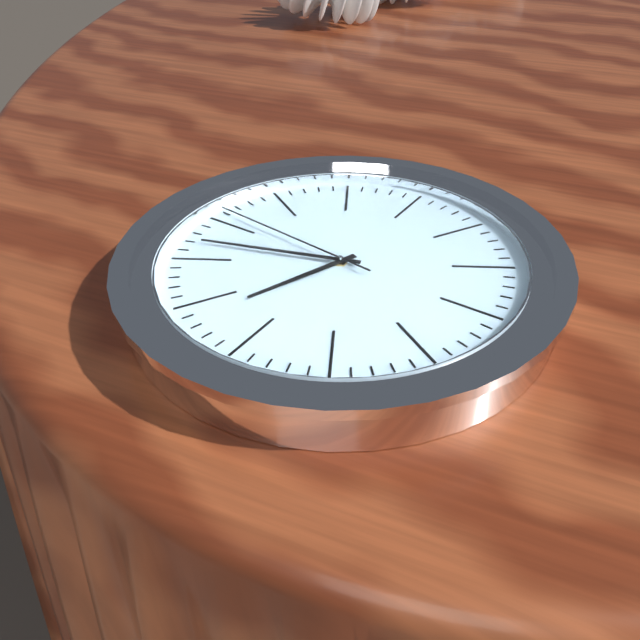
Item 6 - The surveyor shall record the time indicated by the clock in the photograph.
6:42:46
